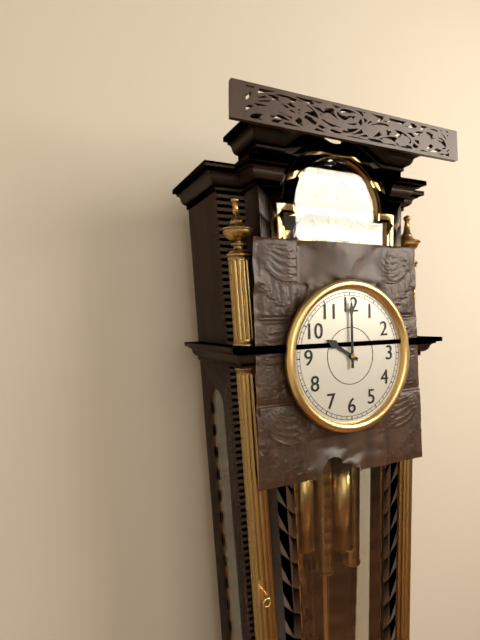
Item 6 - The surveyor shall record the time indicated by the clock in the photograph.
10:00
